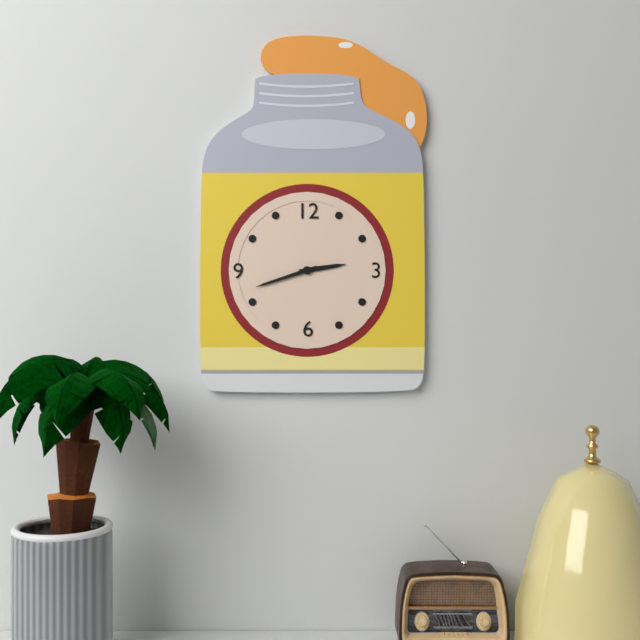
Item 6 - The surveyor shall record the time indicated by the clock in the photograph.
2:42
